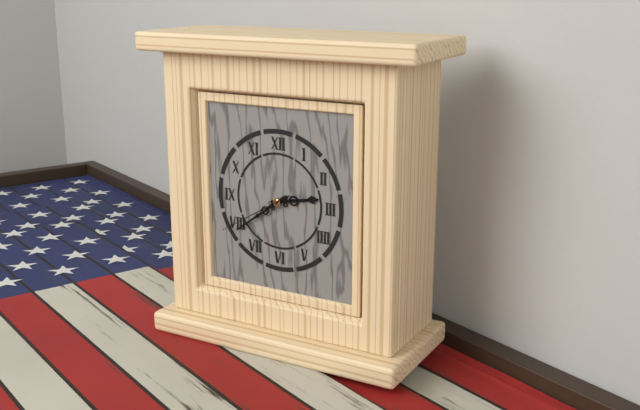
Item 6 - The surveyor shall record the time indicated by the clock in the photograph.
2:39:40
